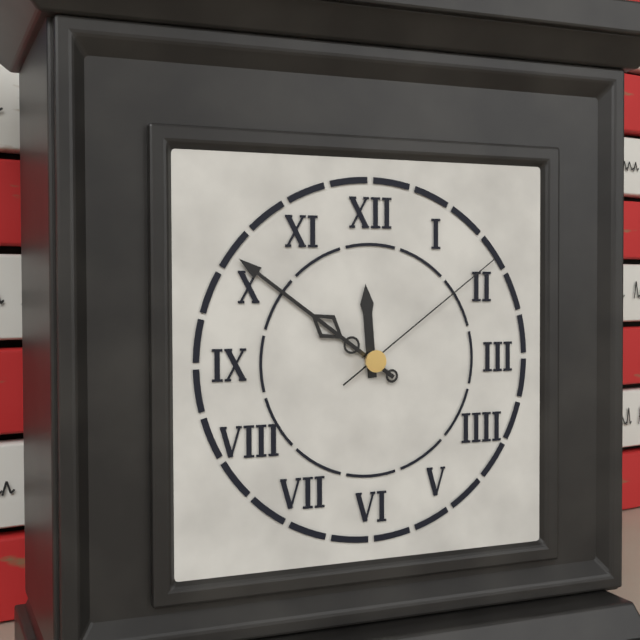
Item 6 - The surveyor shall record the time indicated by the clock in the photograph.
11:51:09
